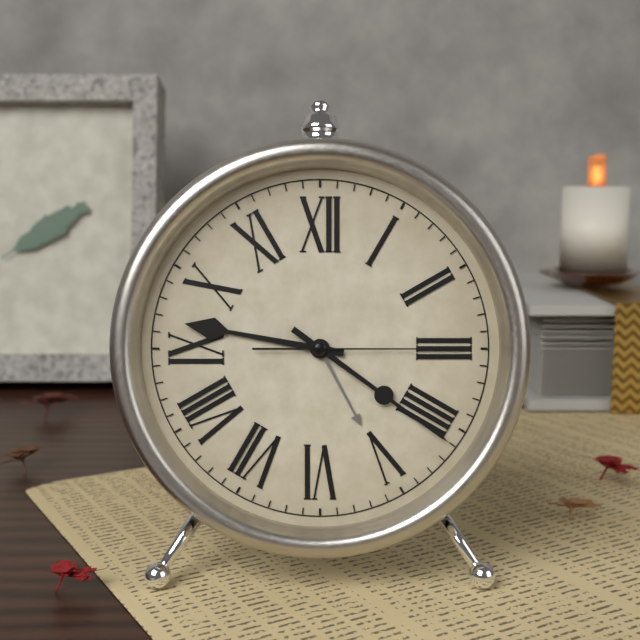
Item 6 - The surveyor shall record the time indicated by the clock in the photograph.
9:21:15
